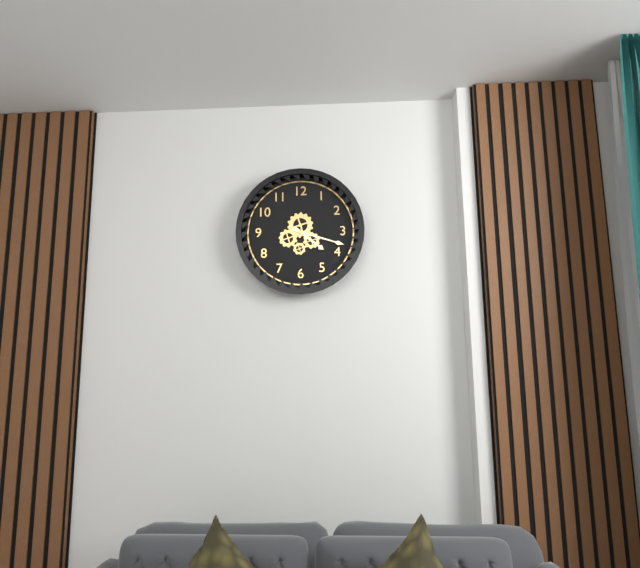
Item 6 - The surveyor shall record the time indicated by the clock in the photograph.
4:18
